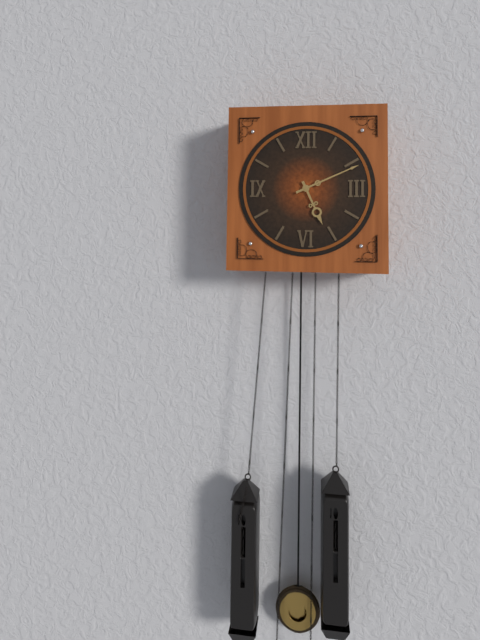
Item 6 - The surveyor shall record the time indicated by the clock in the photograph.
5:11
